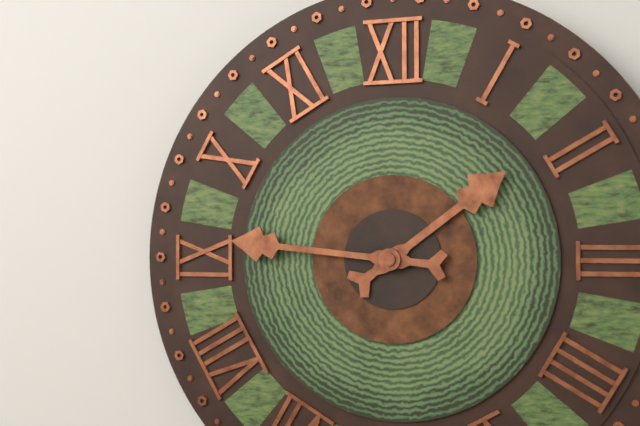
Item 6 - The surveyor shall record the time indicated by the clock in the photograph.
1:46
